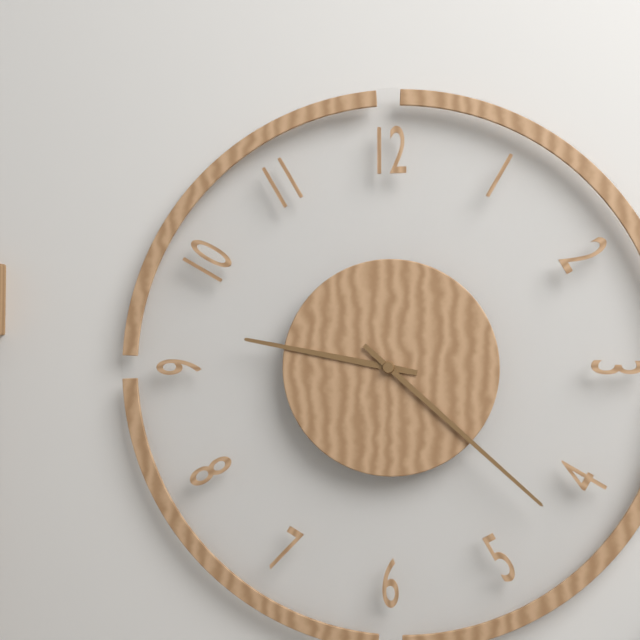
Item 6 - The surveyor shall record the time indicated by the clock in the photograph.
9:22
